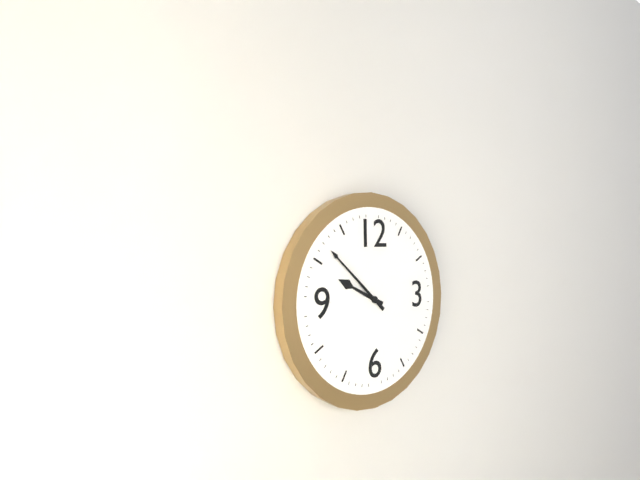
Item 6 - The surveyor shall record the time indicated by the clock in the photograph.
9:52
